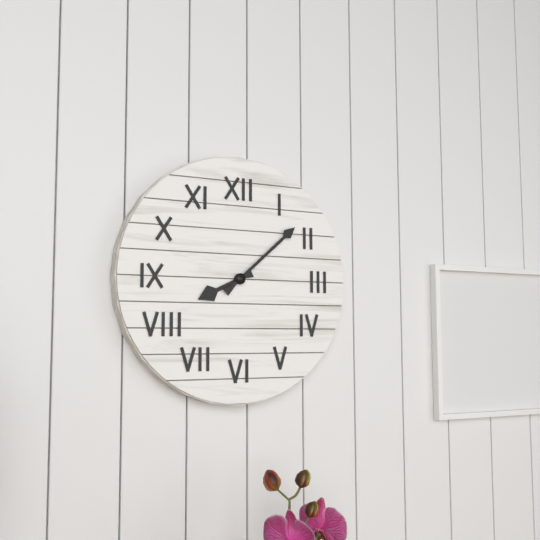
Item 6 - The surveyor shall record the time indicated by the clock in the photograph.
8:08
